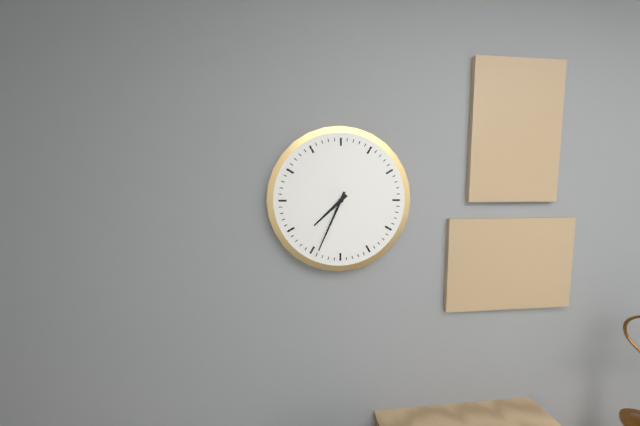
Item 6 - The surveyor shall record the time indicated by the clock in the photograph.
7:34
